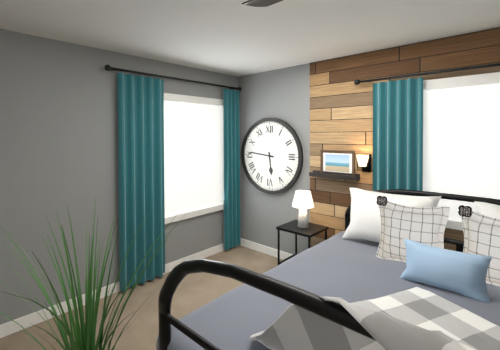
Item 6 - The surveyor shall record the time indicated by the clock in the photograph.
5:46
